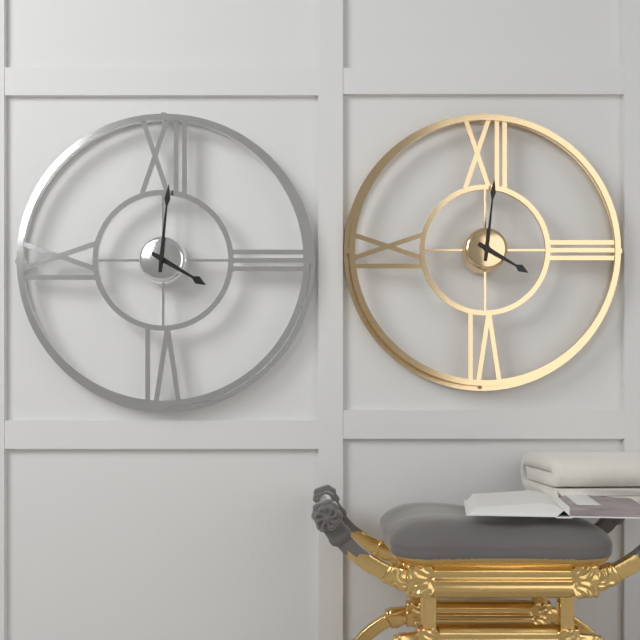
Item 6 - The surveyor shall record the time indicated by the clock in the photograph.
4:01
